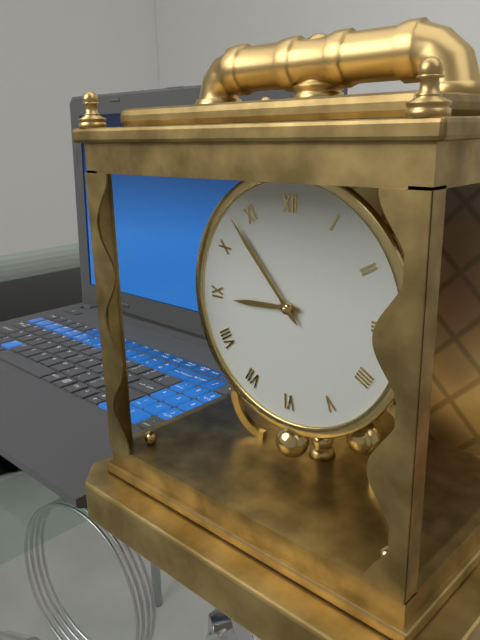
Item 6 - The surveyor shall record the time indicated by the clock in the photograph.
8:53
